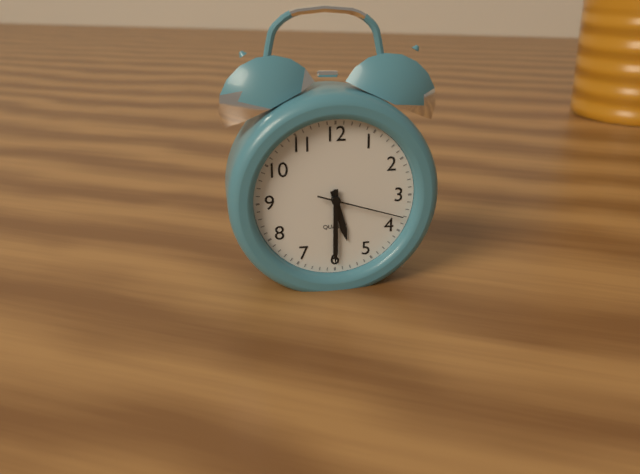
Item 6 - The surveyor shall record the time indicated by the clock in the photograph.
5:30:18
